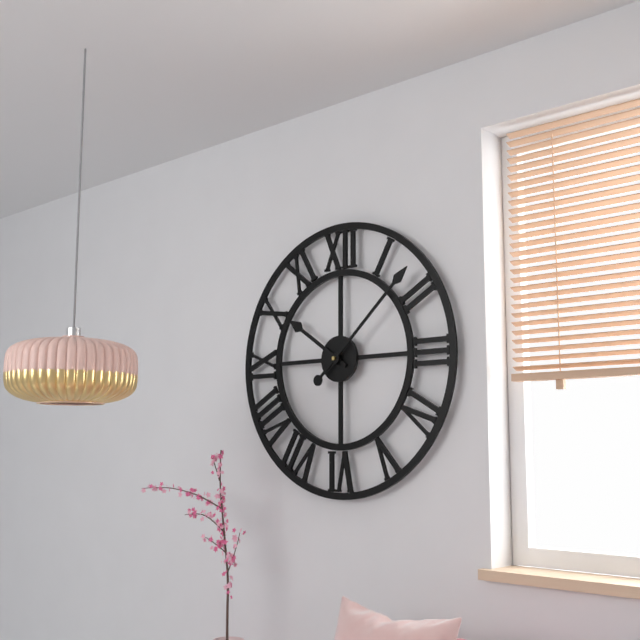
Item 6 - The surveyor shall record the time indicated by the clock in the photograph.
10:08
